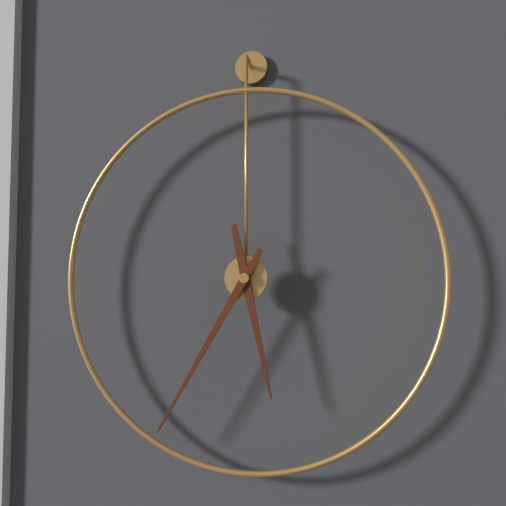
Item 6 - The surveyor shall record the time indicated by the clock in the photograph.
5:35
